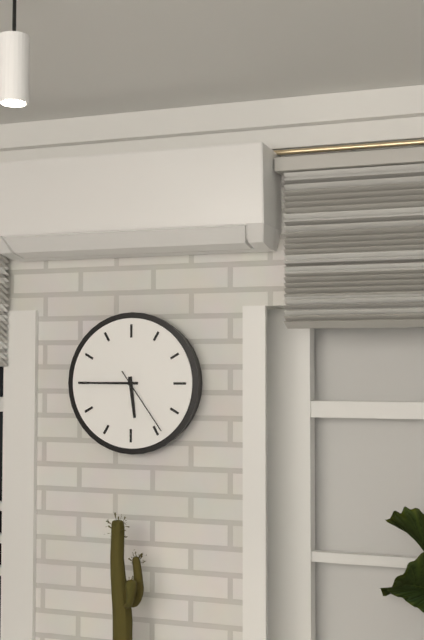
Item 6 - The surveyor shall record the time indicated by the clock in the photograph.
5:45:24
